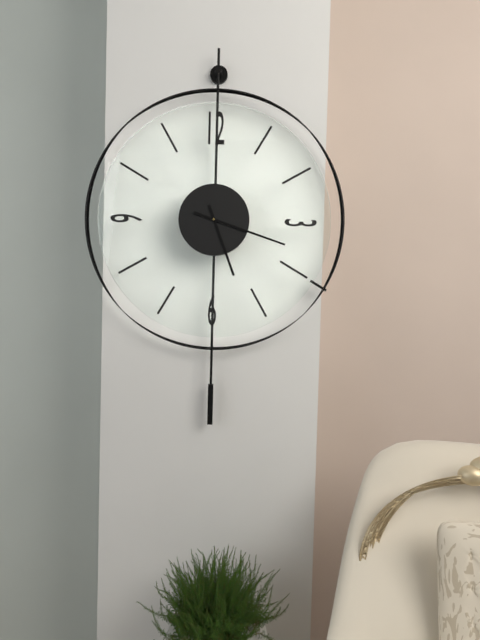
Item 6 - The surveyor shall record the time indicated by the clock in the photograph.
5:18
